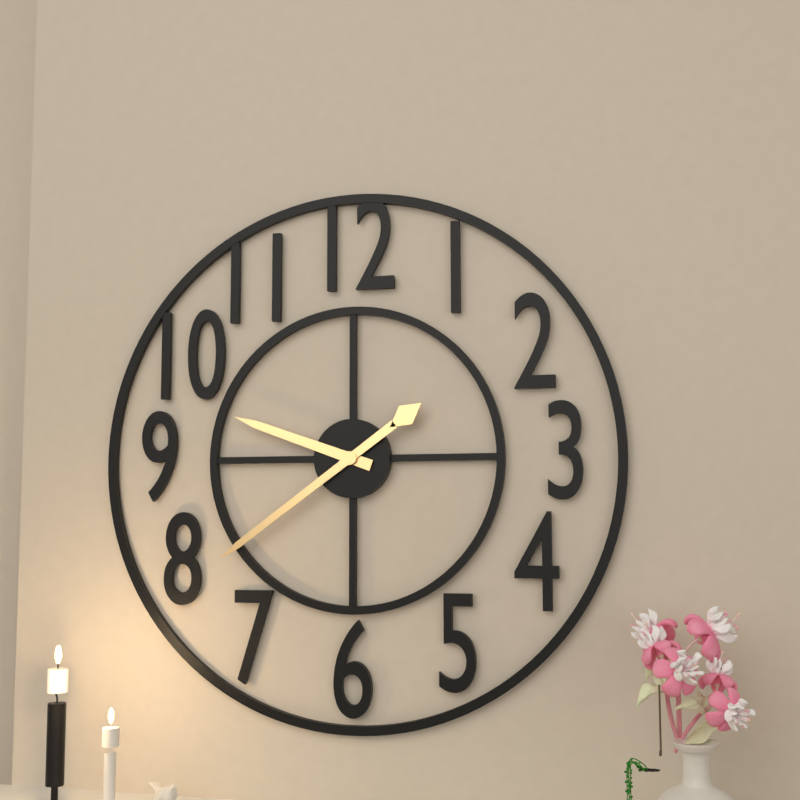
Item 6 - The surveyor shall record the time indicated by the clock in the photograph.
9:39
